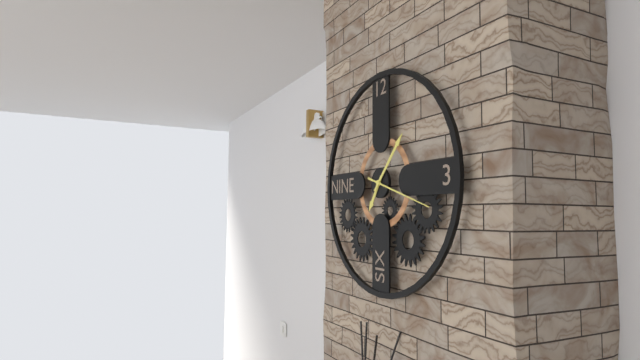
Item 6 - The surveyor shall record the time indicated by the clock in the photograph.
7:07:18
